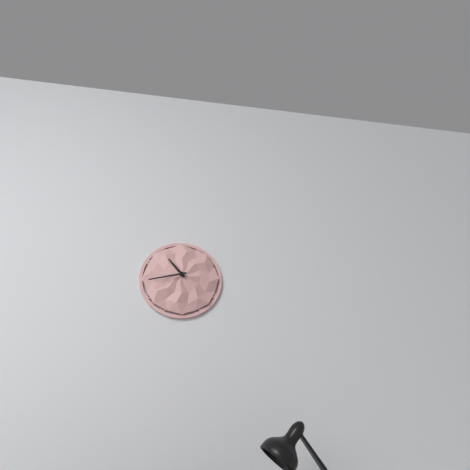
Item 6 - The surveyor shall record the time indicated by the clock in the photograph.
10:43
